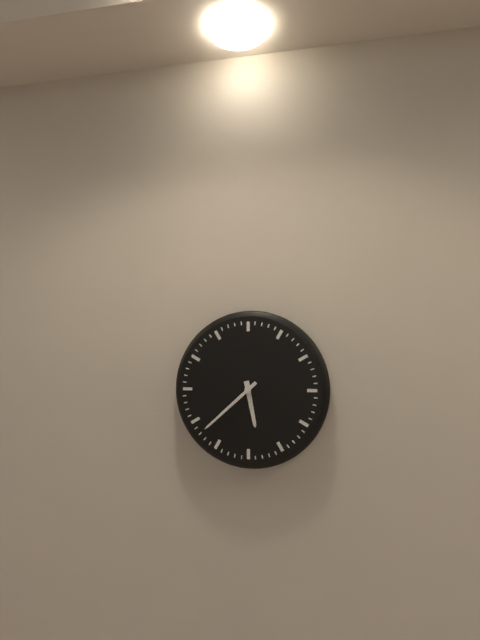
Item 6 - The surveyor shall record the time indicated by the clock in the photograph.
5:38
